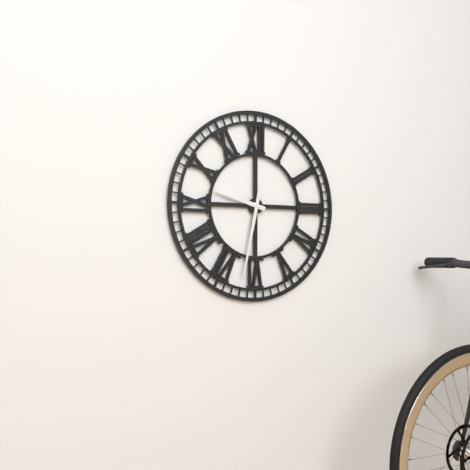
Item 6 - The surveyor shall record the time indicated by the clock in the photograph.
9:32
